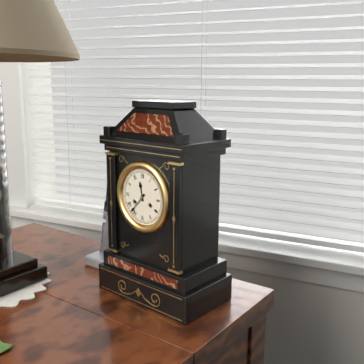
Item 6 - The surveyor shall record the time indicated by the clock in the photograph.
11:37
